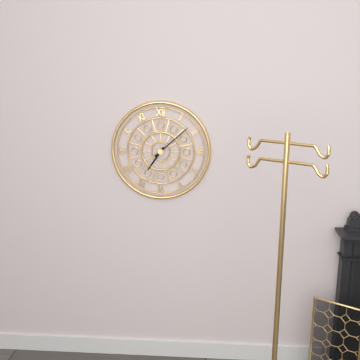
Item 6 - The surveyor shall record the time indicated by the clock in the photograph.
7:08
